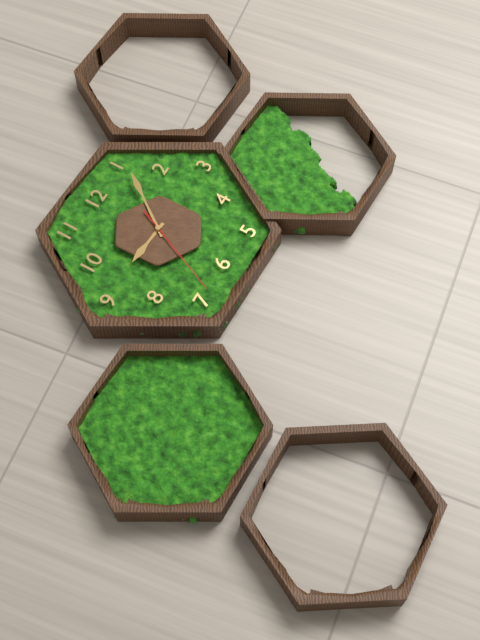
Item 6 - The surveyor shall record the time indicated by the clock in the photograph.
9:06:34
